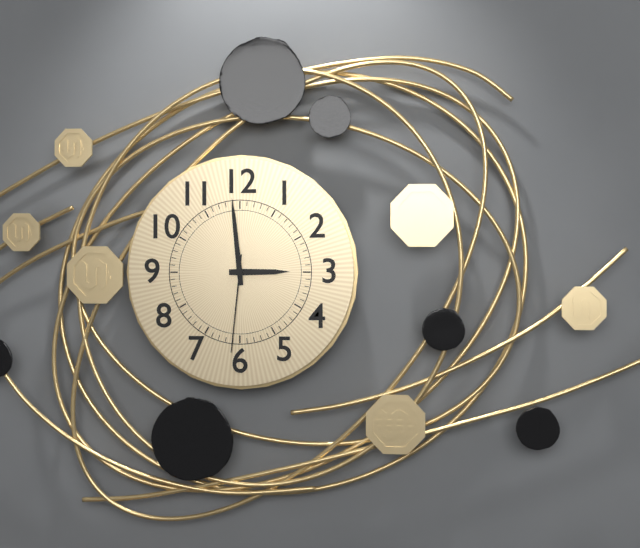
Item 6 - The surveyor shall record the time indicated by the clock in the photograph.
2:59:31
